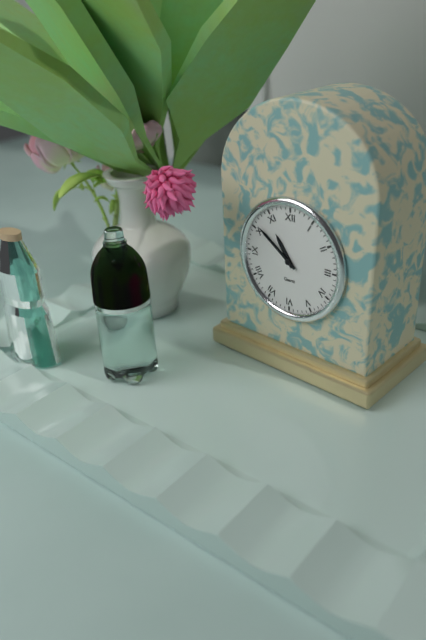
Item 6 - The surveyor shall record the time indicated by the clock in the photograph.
10:51
